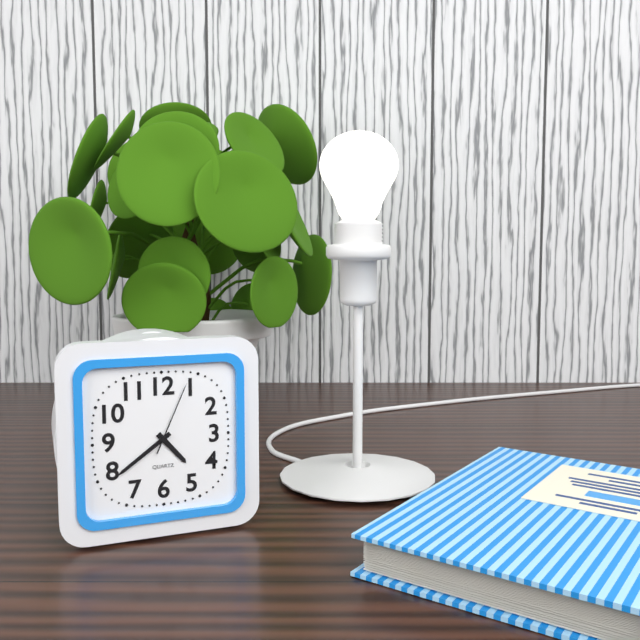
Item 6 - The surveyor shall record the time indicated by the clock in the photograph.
4:39:04
